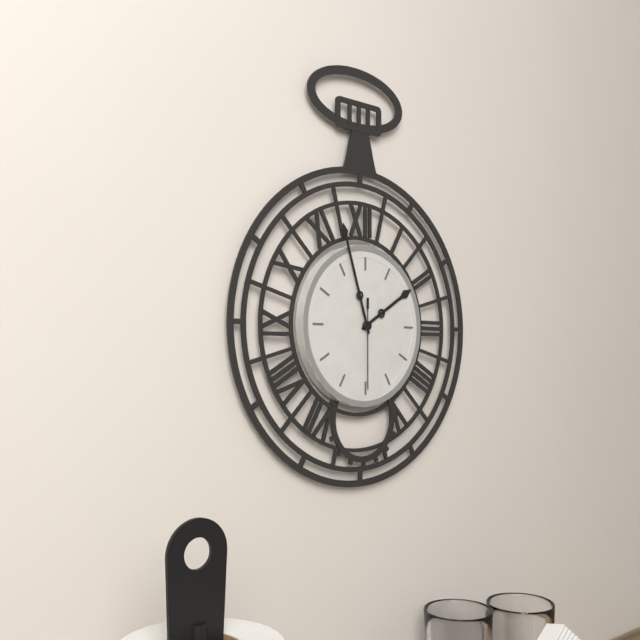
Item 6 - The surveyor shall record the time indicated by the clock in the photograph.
1:57:30
